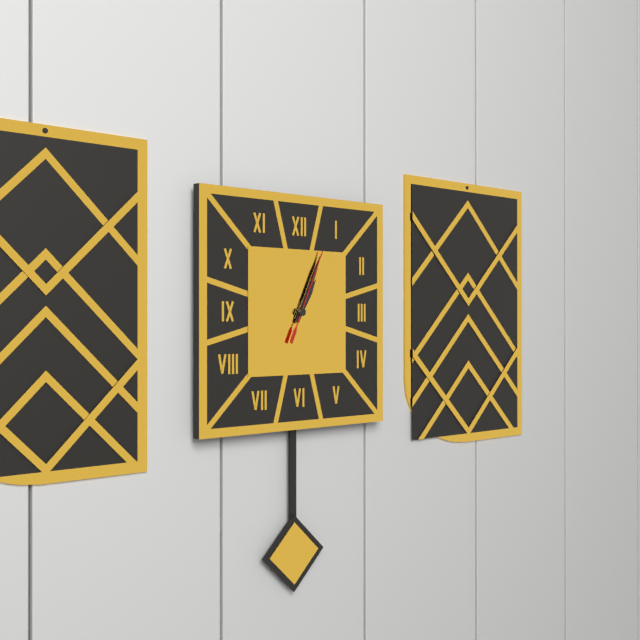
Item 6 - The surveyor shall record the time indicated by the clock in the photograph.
1:04:04
